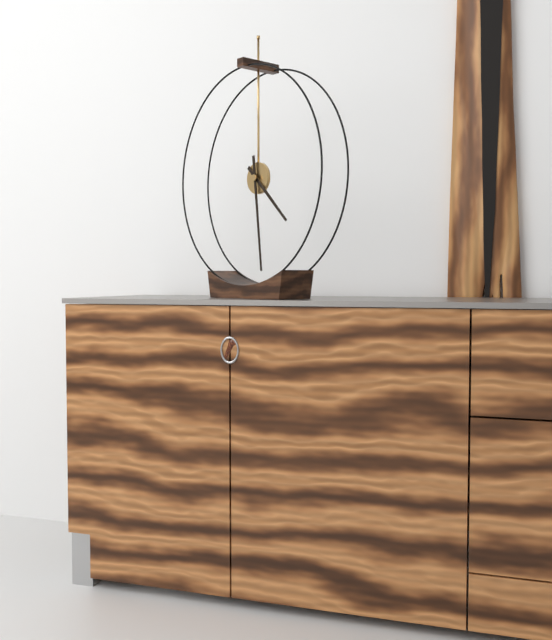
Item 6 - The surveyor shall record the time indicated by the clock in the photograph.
4:29
